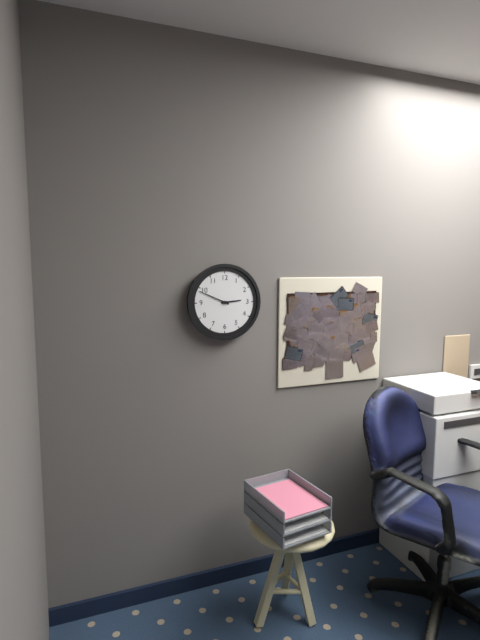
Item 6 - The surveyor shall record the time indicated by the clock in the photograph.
2:49
